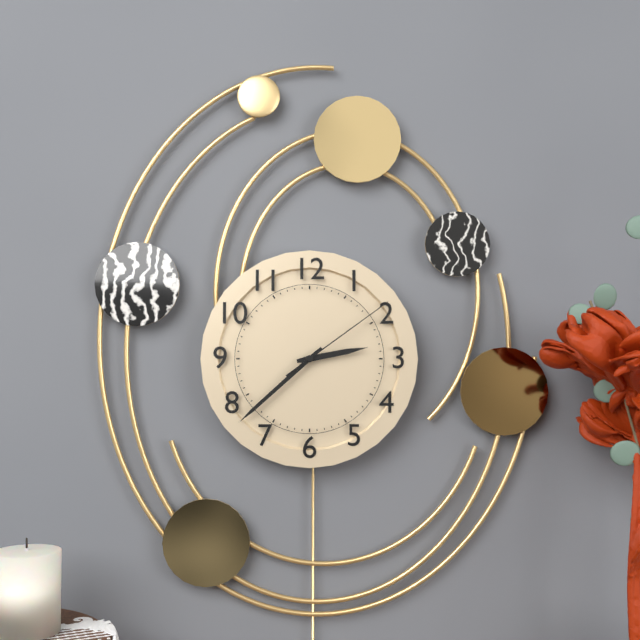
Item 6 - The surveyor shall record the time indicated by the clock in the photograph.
2:38:09
